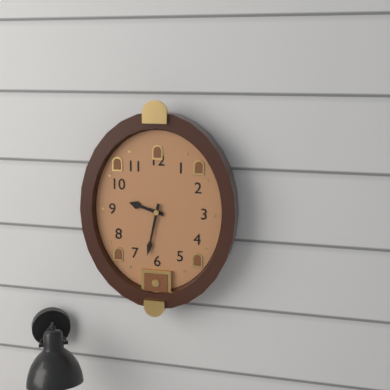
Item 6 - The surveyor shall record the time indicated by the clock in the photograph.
9:32
